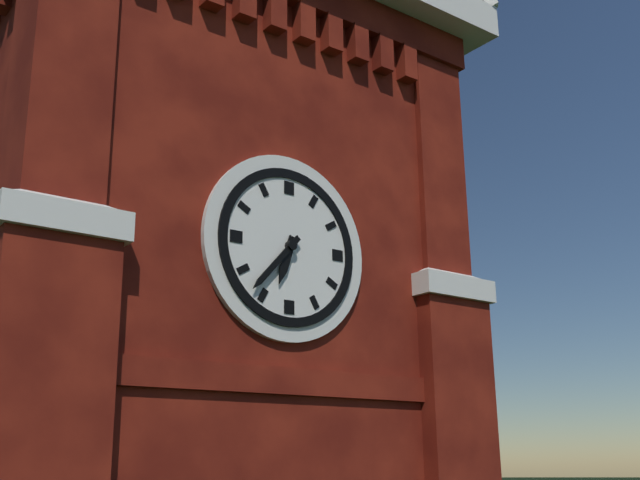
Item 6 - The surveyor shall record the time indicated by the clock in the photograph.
6:37
